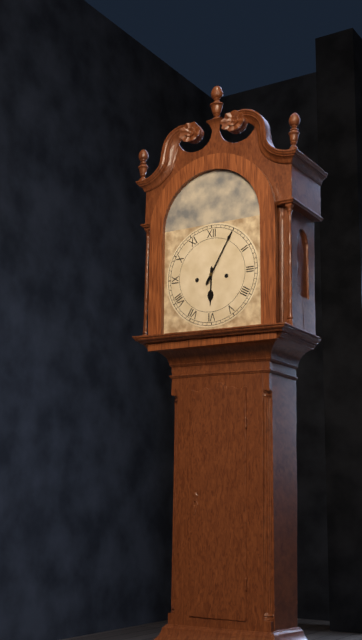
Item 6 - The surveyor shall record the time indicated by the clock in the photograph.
6:05
